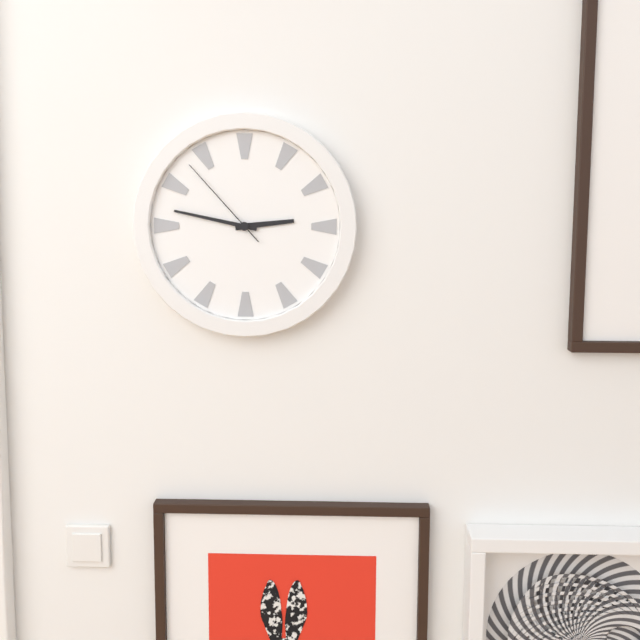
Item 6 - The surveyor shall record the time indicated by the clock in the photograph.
2:47:53
